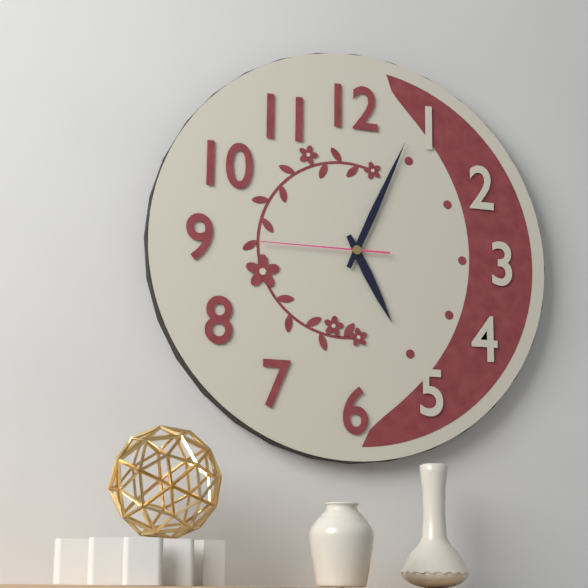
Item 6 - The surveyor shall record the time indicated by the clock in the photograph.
5:04:45
